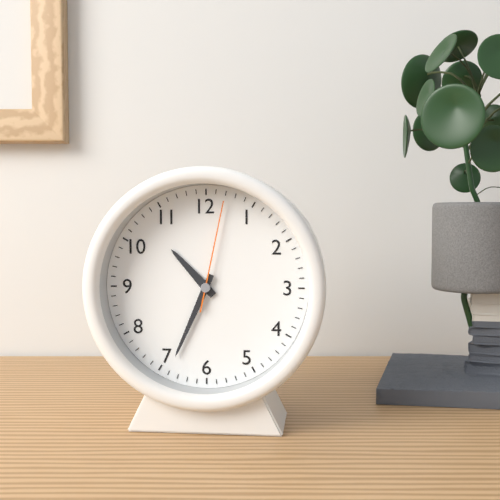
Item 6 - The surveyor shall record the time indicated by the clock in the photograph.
10:34:02
